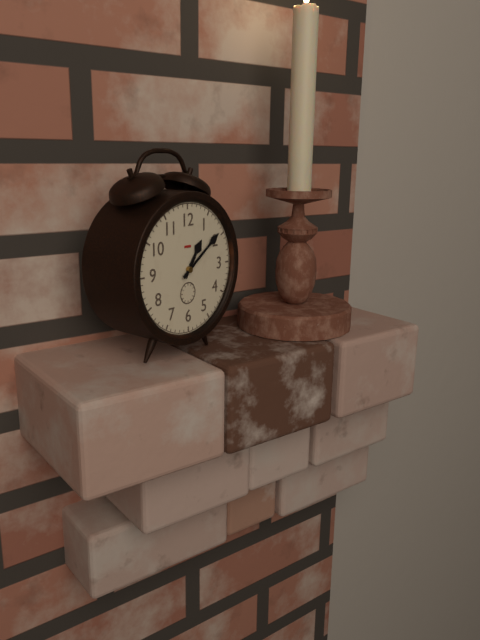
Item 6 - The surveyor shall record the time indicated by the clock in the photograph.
1:09
